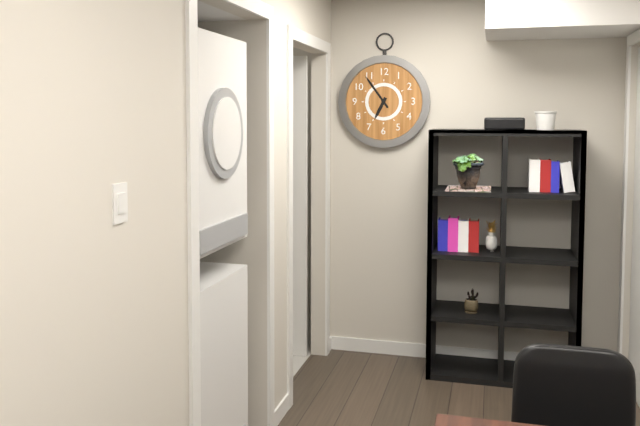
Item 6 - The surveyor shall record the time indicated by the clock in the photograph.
6:54
